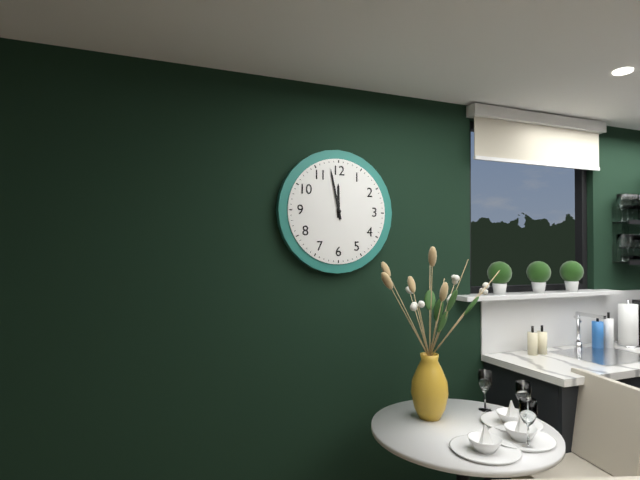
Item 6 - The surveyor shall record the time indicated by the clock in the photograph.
11:58
